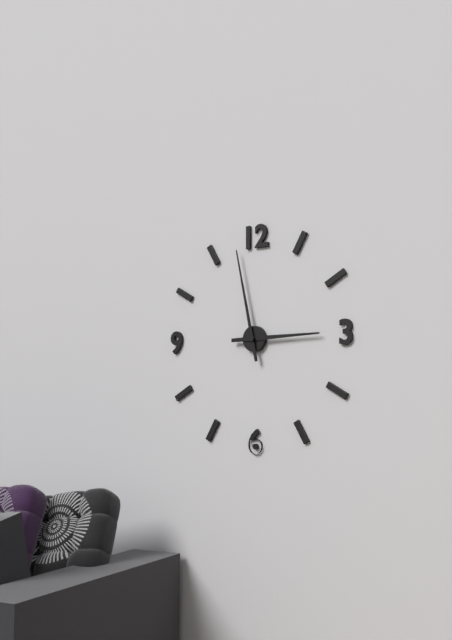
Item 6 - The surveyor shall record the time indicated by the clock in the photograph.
2:58
